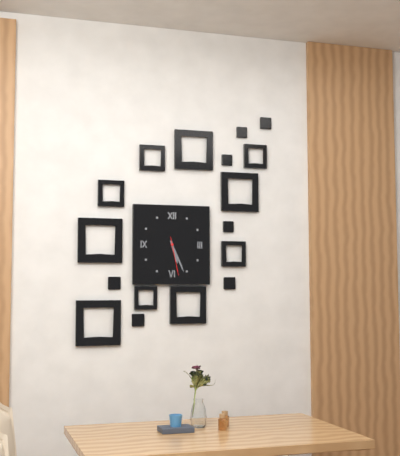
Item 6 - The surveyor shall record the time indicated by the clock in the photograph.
5:26
